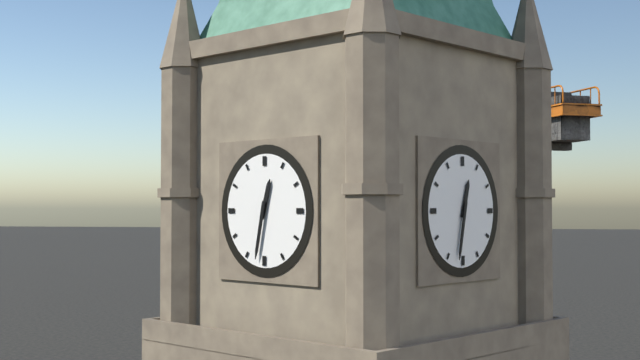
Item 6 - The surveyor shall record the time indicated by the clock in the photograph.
12:32
